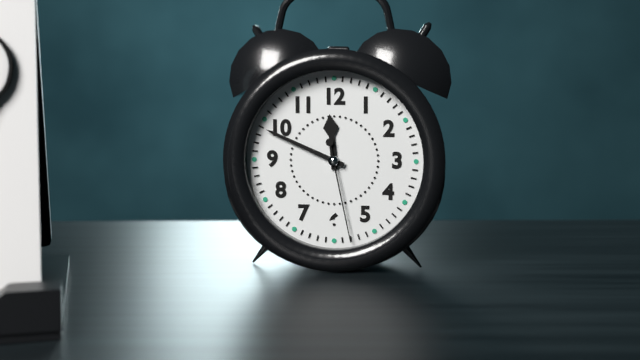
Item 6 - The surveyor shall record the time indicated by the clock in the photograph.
11:49:28
